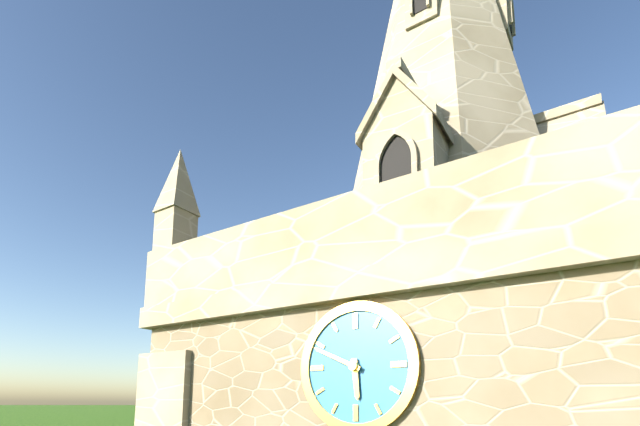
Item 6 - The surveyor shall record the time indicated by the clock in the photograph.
5:49
